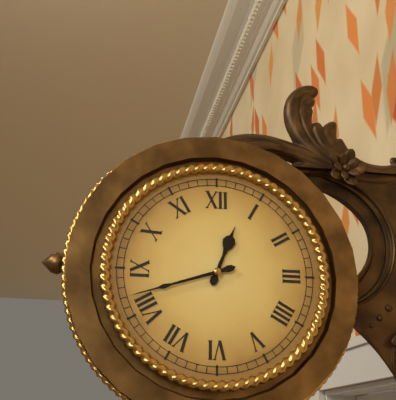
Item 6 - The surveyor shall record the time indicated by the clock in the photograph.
12:42
